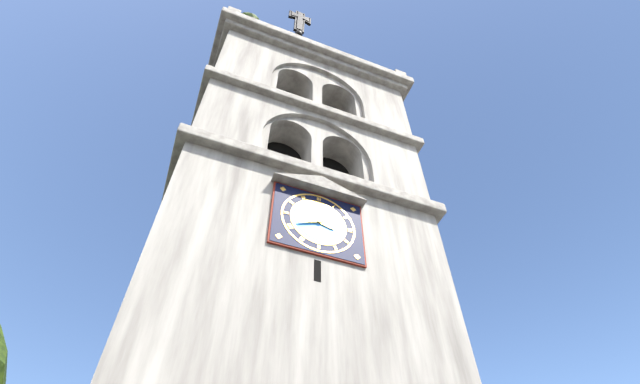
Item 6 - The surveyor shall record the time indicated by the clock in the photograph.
3:41
